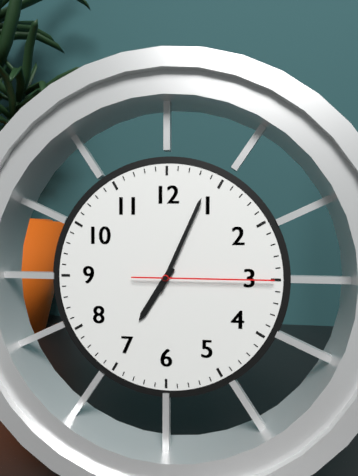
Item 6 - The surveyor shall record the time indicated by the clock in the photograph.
7:04:15
